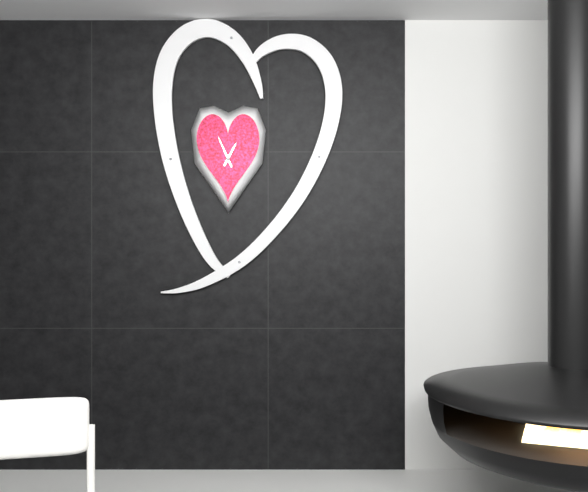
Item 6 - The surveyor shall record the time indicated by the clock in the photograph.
12:56
